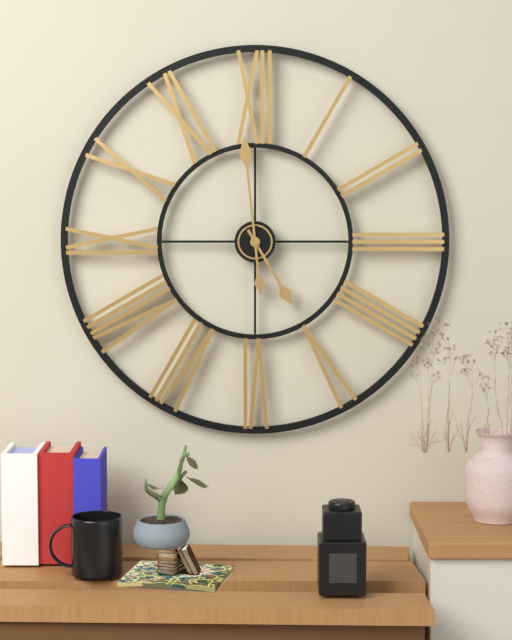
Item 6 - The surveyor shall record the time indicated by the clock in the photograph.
4:59
